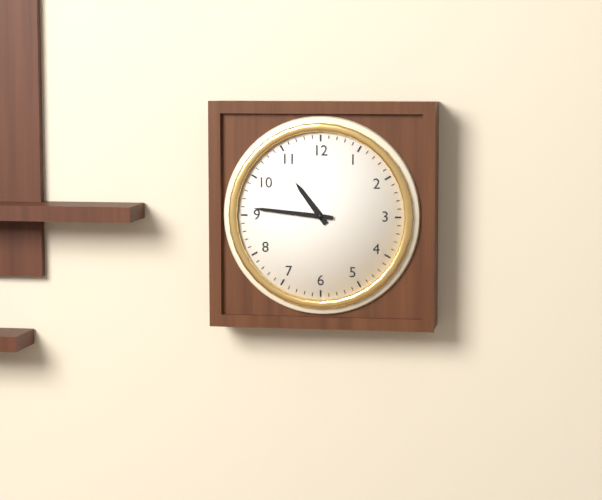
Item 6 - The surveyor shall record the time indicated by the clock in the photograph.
10:46
